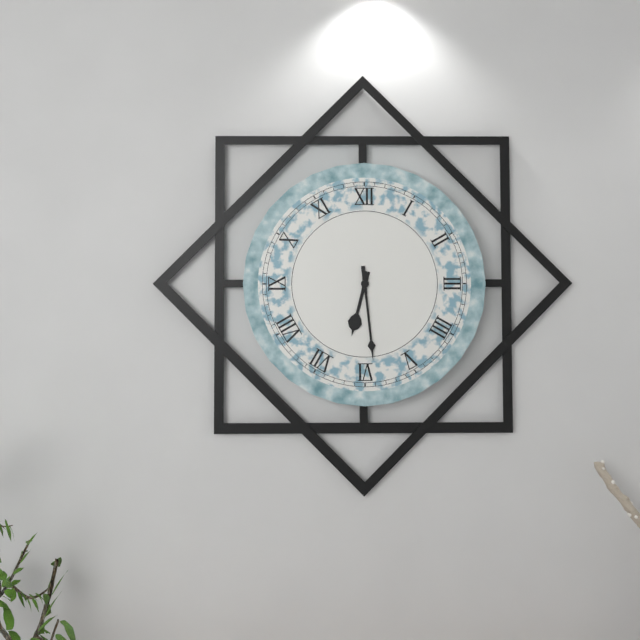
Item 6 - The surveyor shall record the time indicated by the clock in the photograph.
6:29
